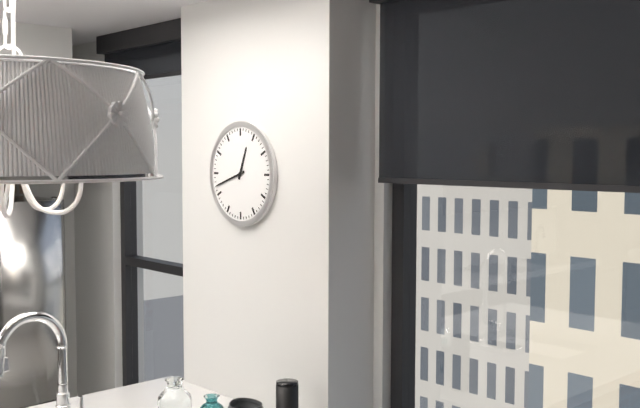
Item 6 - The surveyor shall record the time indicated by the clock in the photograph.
12:42
